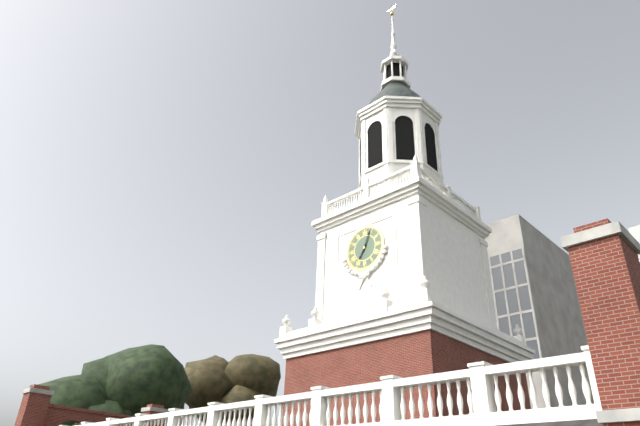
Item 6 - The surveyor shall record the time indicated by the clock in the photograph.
7:04
